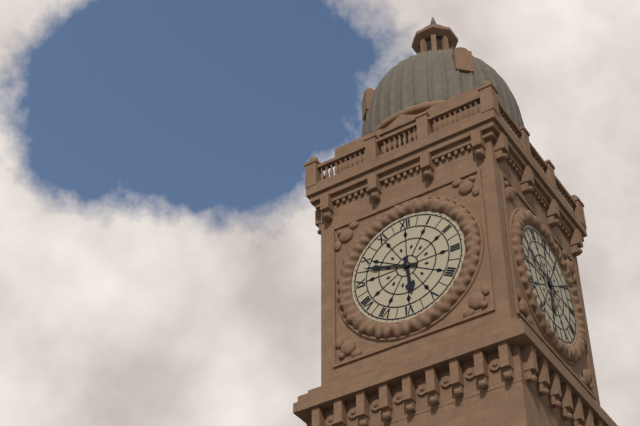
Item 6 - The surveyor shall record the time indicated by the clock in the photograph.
5:48
